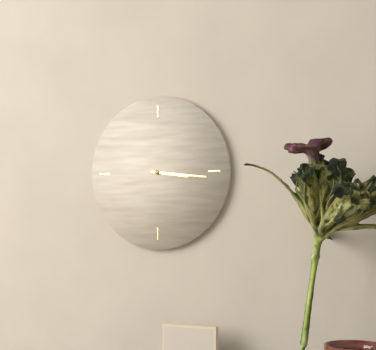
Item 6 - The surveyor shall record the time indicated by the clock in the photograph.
3:16
